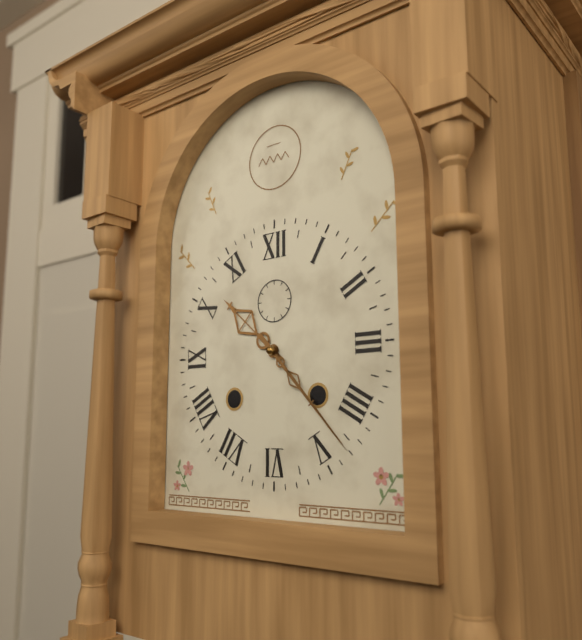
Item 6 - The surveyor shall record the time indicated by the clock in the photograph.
10:23
